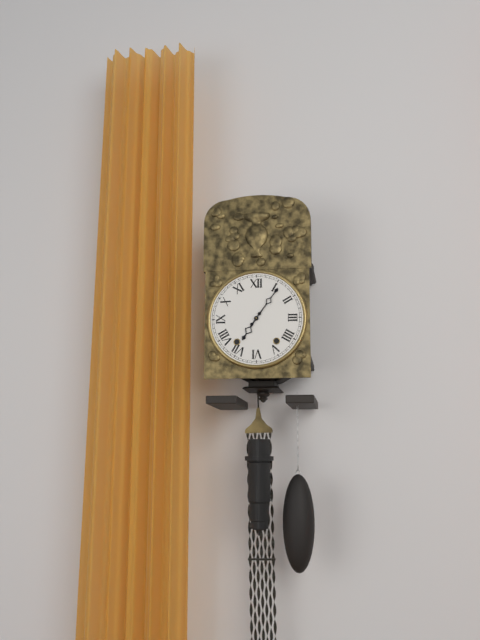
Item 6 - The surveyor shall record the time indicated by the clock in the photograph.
7:06
